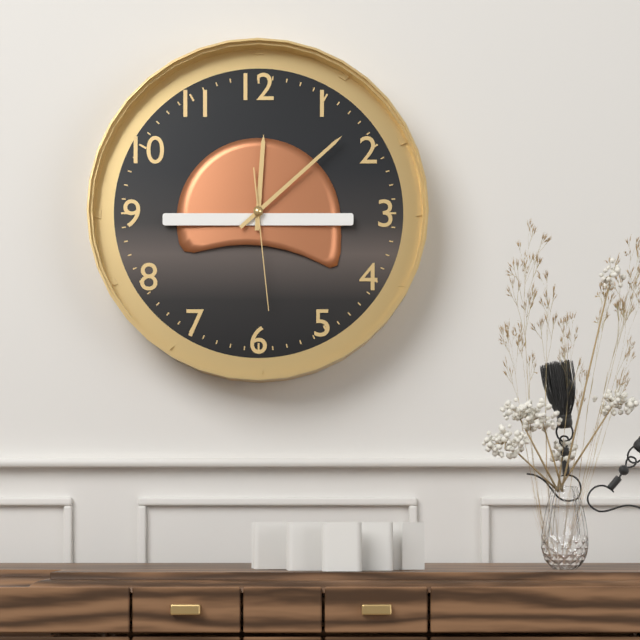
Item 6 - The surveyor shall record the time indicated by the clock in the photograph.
12:08:29
